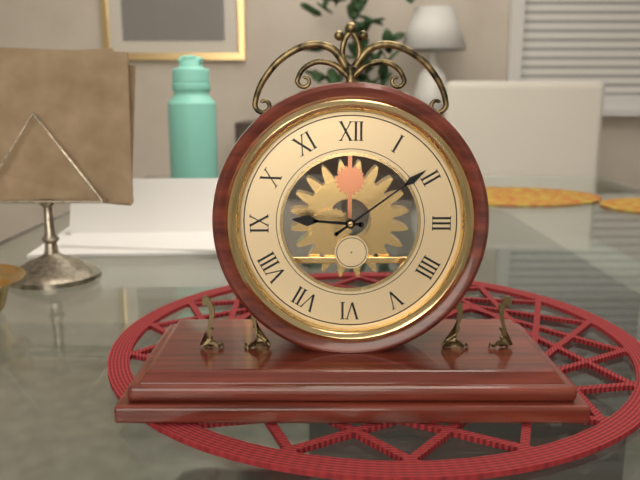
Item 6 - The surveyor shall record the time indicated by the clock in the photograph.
9:09
